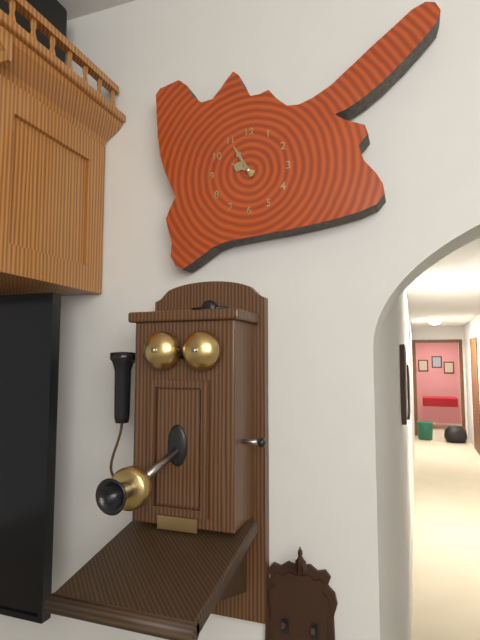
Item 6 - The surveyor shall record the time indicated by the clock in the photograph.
9:55
